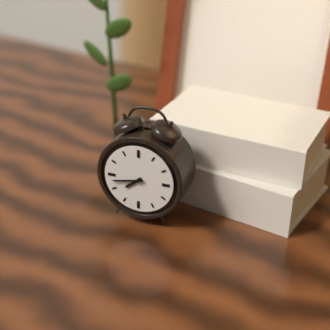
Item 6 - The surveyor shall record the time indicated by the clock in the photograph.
7:43
